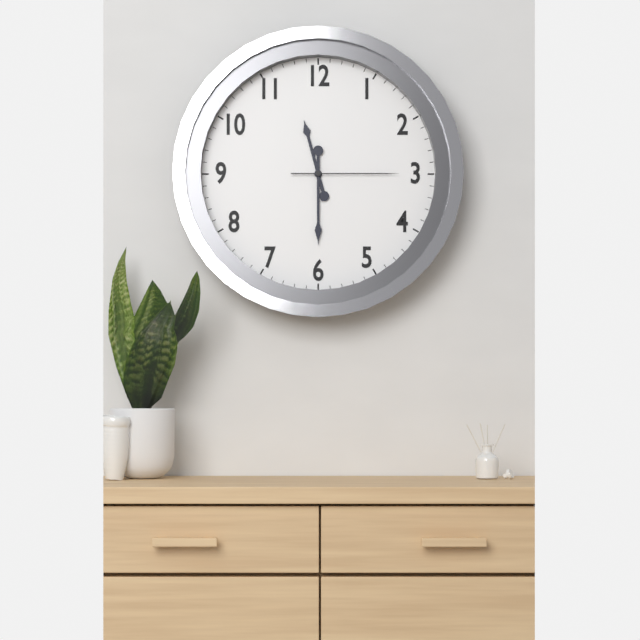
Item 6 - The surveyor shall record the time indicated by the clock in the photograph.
11:30:15
